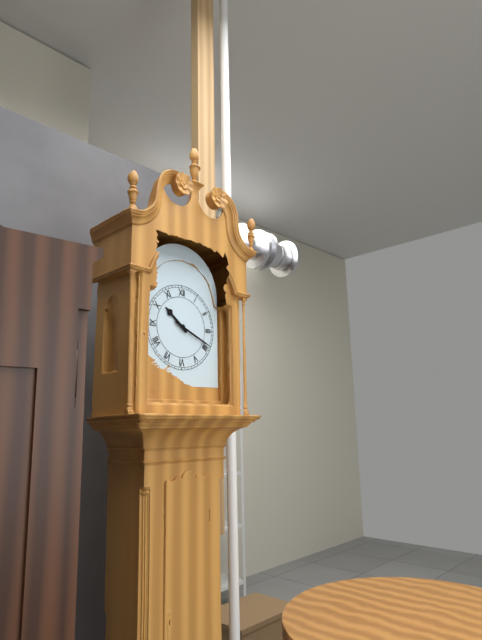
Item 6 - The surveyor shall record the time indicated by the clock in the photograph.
10:19
